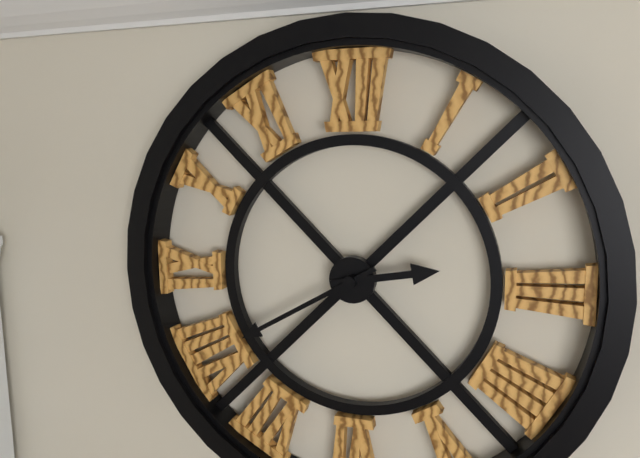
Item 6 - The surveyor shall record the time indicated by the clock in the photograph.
2:40
